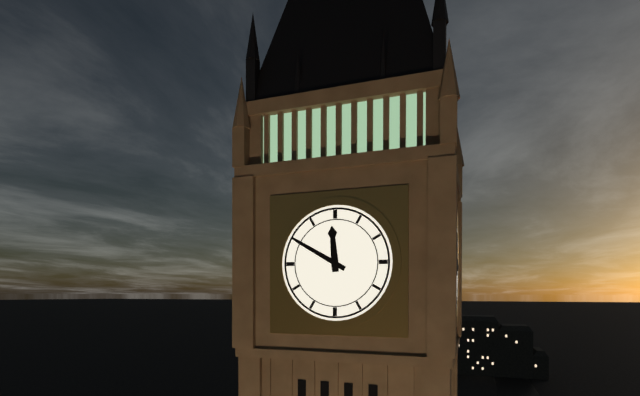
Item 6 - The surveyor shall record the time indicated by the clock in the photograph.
11:50
